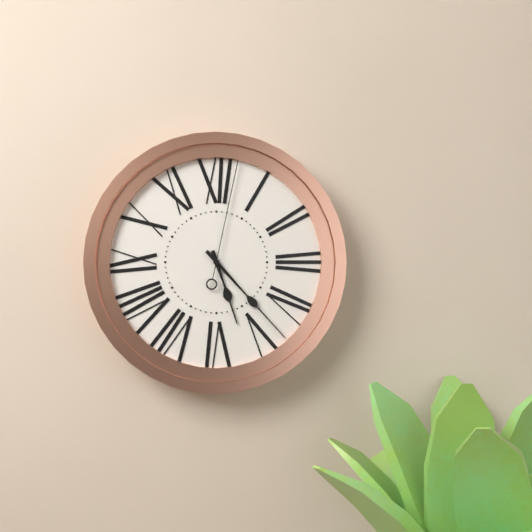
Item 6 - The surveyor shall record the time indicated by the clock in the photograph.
5:23:02
